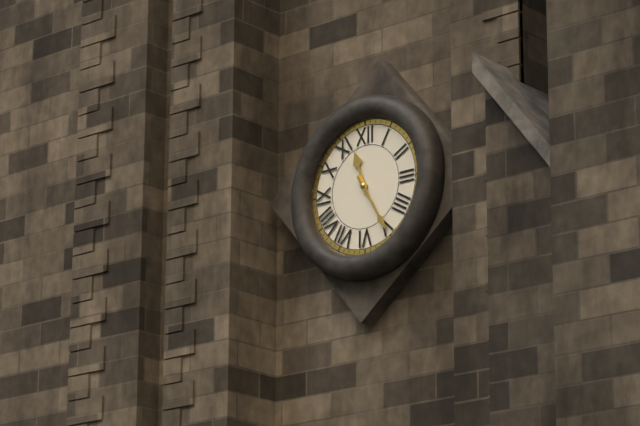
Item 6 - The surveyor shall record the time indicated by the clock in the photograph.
11:25
